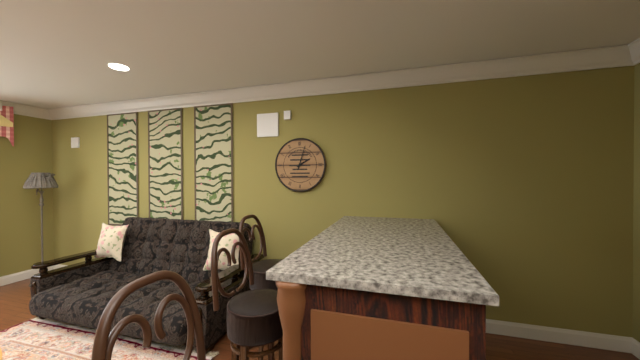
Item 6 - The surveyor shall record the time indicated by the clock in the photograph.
2:03
